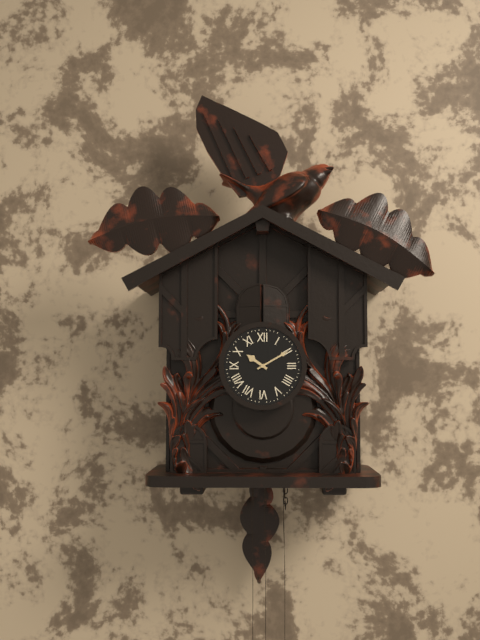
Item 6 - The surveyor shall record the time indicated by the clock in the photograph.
10:10
